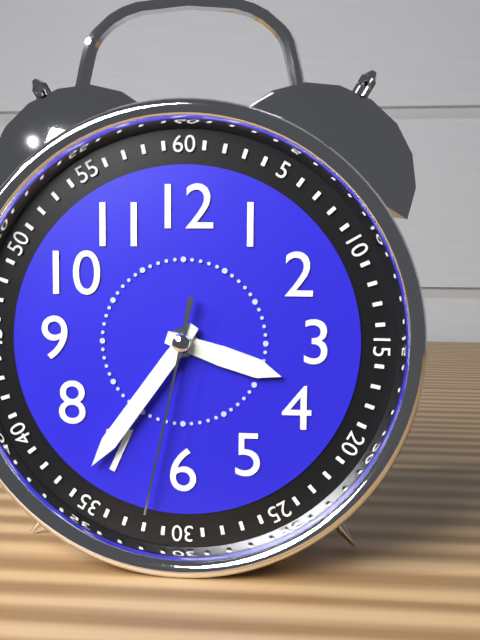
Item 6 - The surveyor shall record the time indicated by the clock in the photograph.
3:36:32
